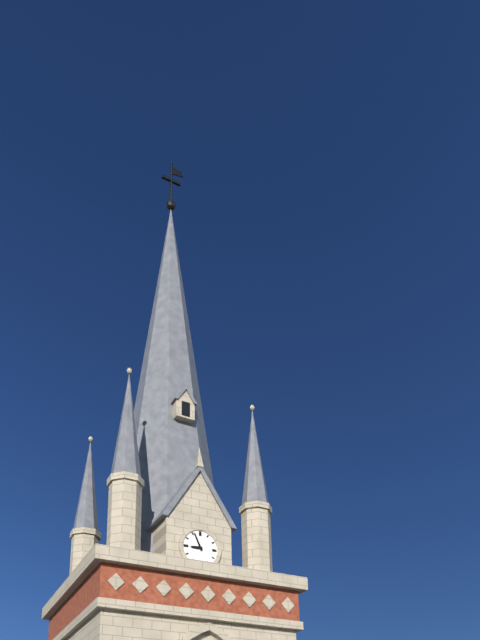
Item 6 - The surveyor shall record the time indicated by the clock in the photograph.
8:56
